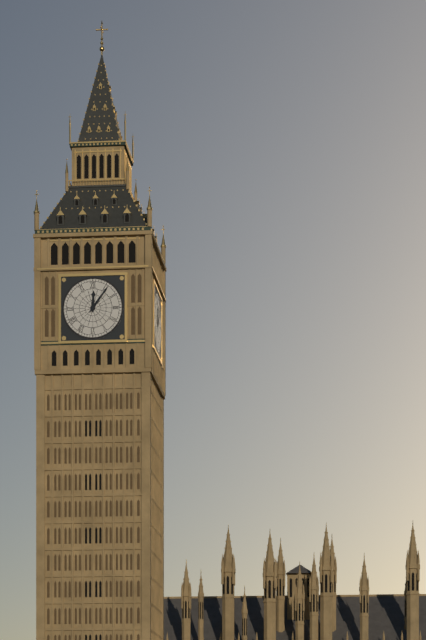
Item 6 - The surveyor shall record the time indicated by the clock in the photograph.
12:06
